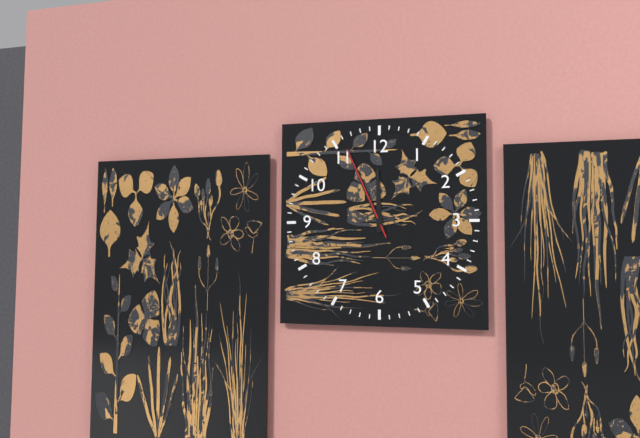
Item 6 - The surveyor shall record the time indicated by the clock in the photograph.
11:56:56
